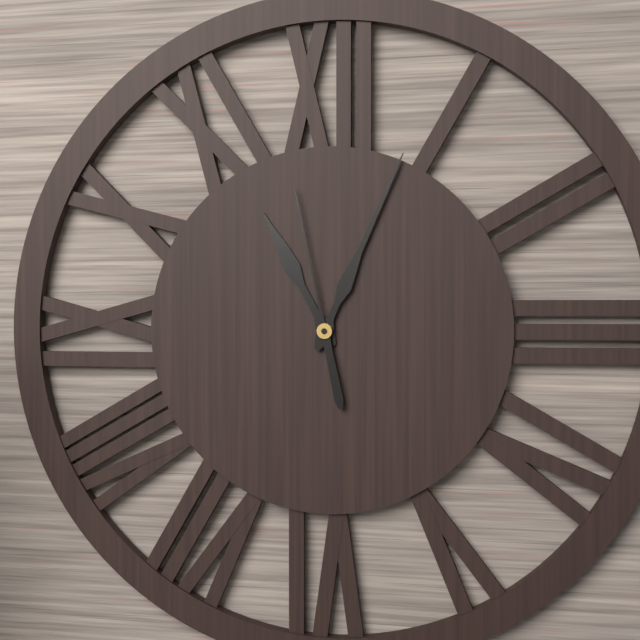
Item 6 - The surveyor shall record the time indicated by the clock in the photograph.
11:04:58
